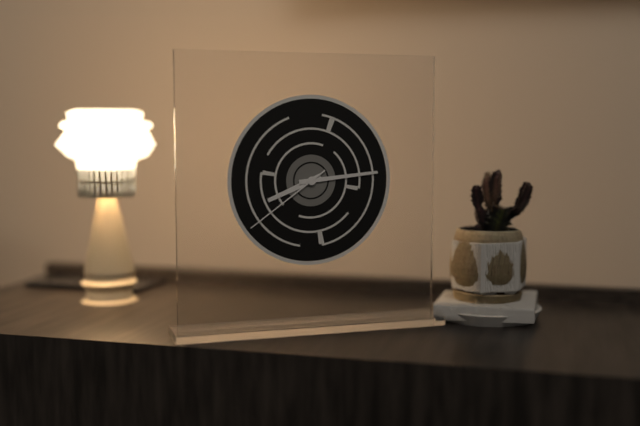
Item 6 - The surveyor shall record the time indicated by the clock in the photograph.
8:14:39
